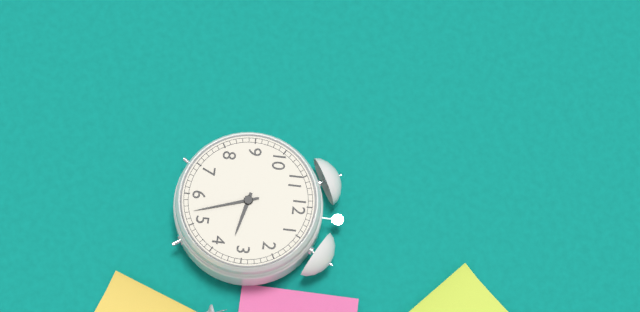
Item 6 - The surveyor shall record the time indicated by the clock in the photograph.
3:27
